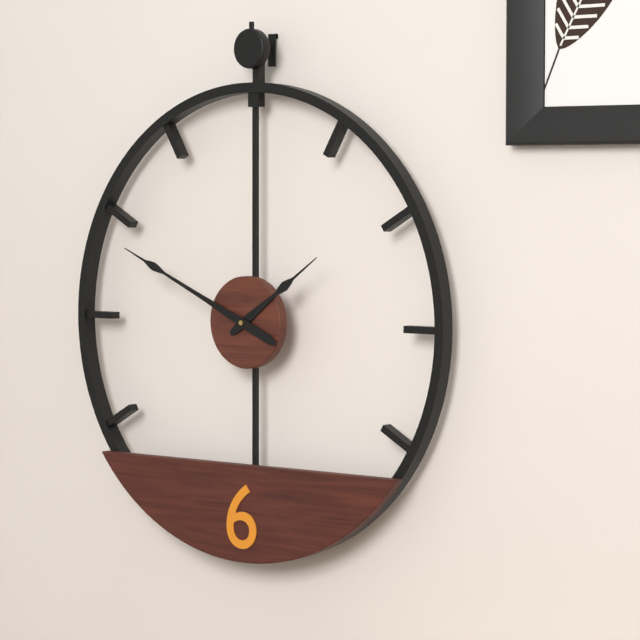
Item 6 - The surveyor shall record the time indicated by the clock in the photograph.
1:49
